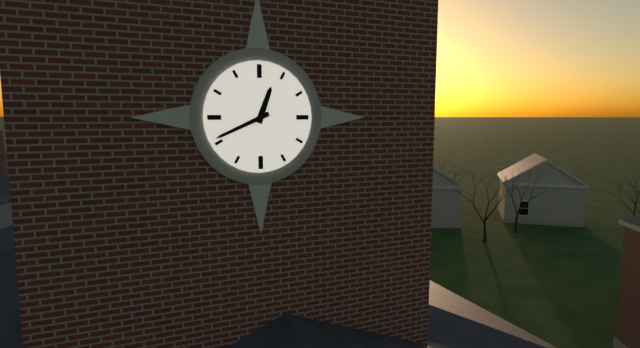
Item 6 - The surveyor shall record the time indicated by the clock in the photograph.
12:41
